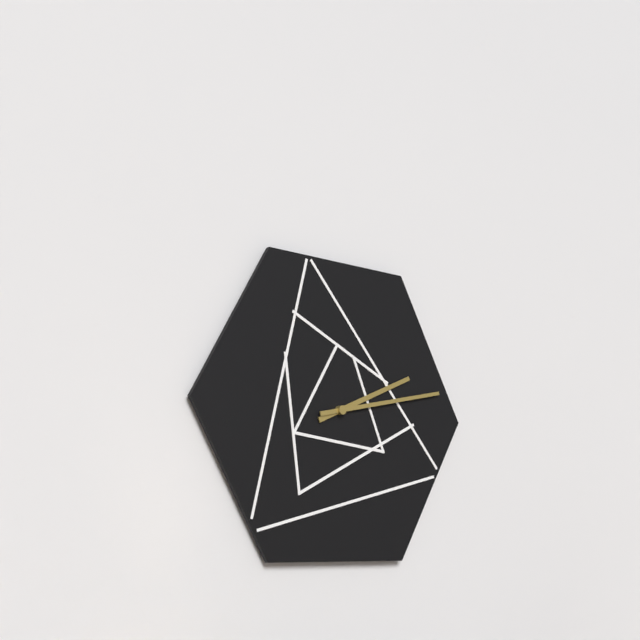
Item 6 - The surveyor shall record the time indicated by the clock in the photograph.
2:13
